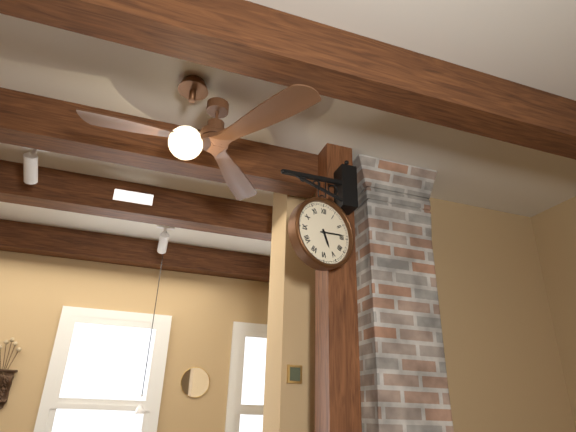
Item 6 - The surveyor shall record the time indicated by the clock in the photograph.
5:14
